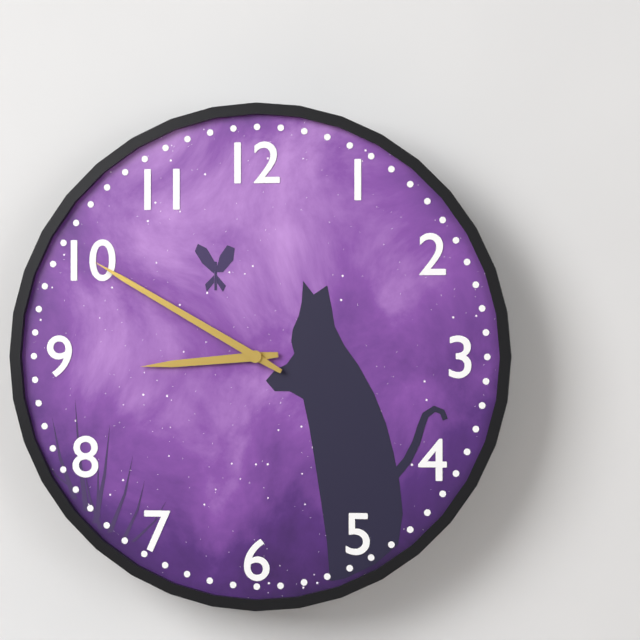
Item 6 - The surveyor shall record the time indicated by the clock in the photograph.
8:50
